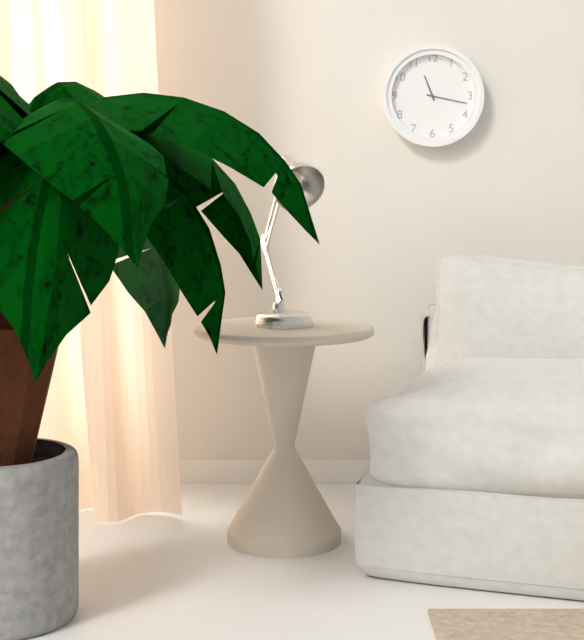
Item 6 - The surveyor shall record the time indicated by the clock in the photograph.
11:17
